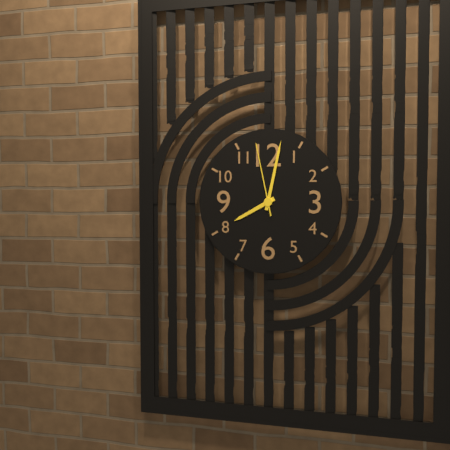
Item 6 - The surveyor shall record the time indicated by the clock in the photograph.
8:02:58
